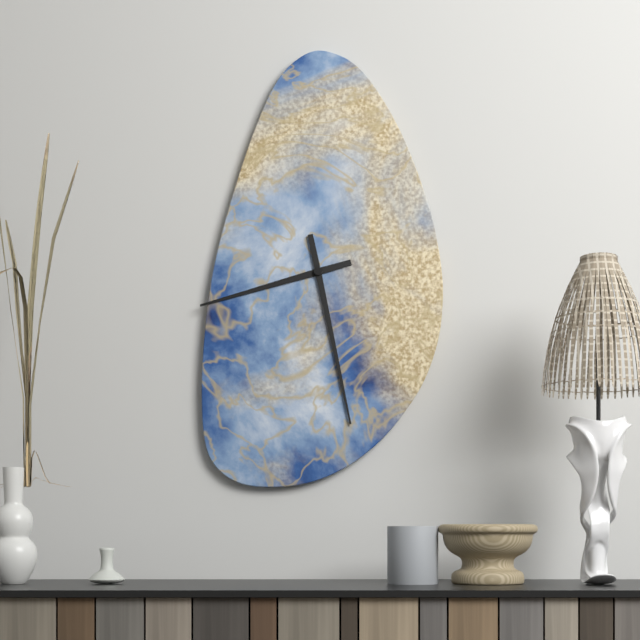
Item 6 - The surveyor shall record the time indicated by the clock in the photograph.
8:28
